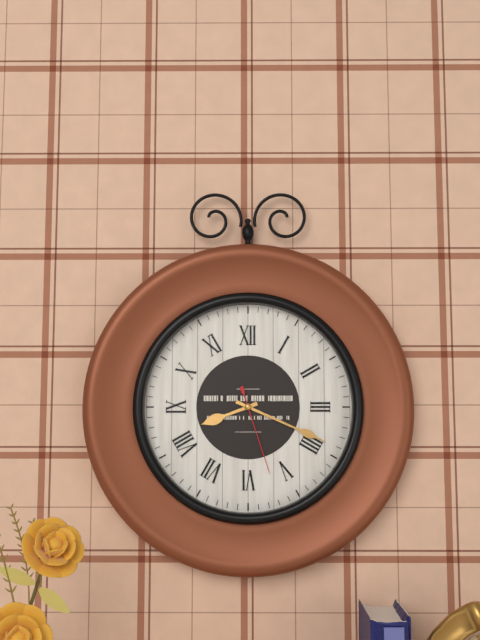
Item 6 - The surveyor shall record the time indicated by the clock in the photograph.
8:19:27
